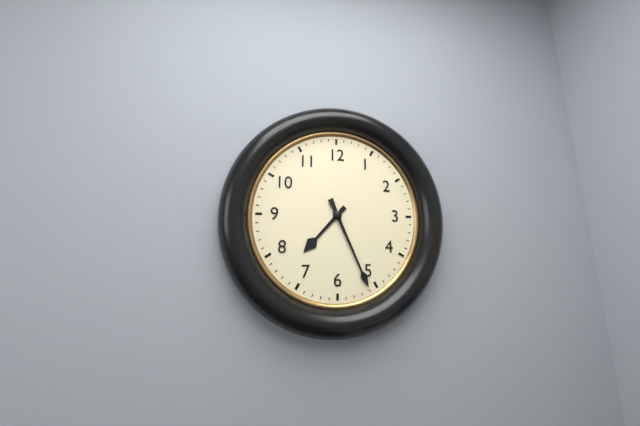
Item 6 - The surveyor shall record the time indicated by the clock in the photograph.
7:26
